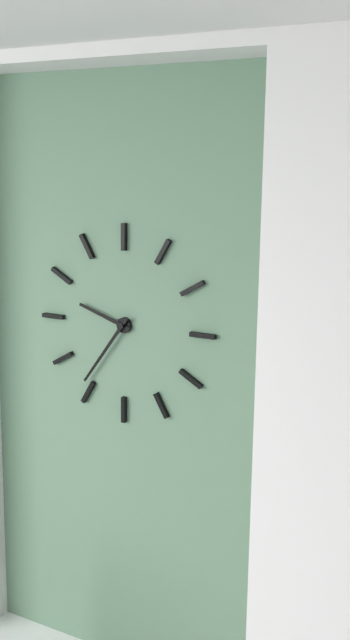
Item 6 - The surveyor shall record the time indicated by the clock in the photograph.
9:36
